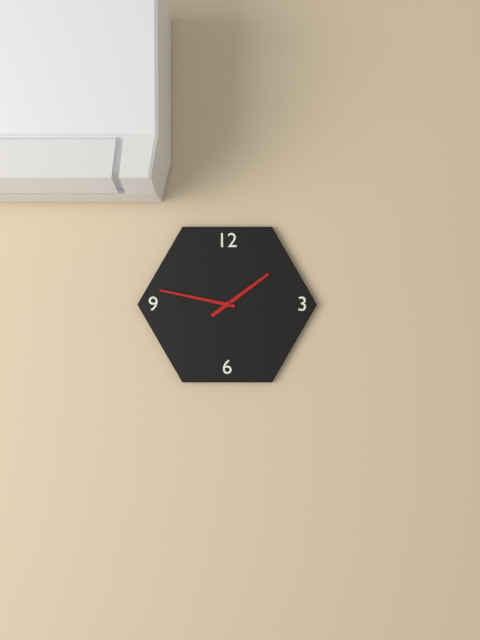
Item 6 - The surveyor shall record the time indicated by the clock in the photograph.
1:47
